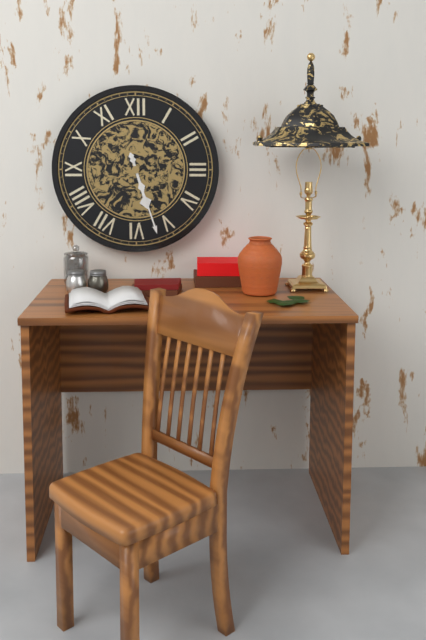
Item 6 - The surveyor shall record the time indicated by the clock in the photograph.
5:27
